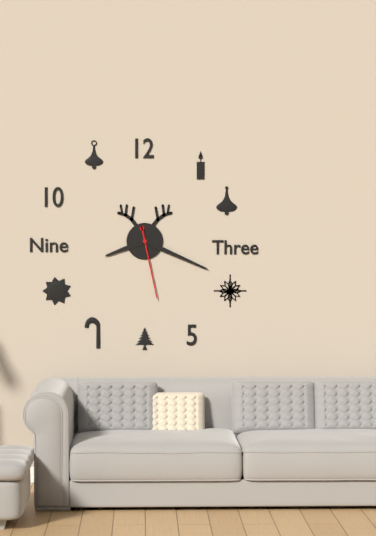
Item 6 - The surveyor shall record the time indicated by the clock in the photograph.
8:19:28
